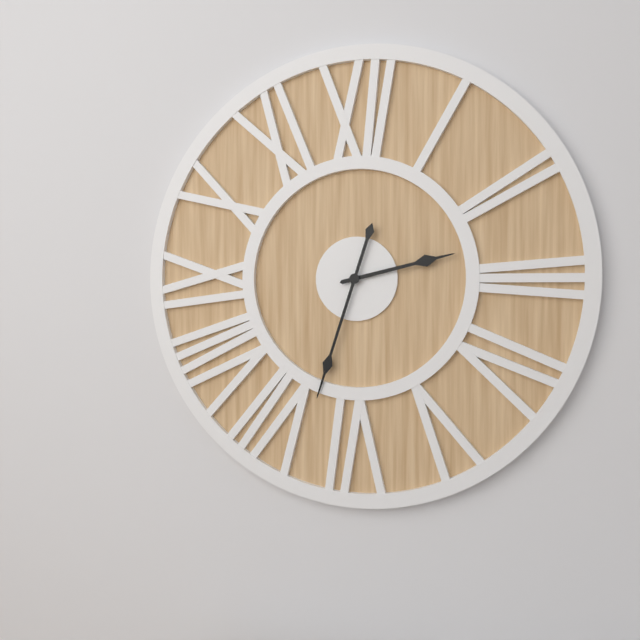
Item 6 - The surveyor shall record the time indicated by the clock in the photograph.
2:33
